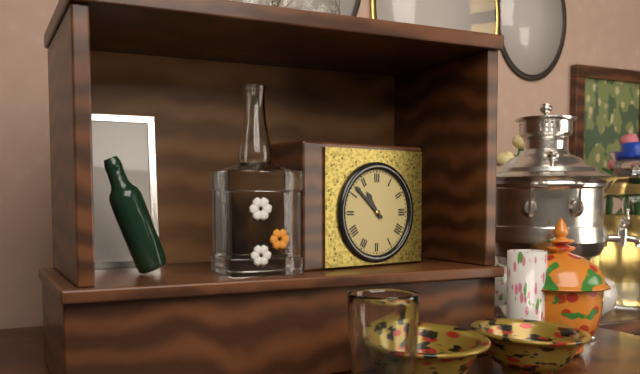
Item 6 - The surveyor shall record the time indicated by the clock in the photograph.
10:52
